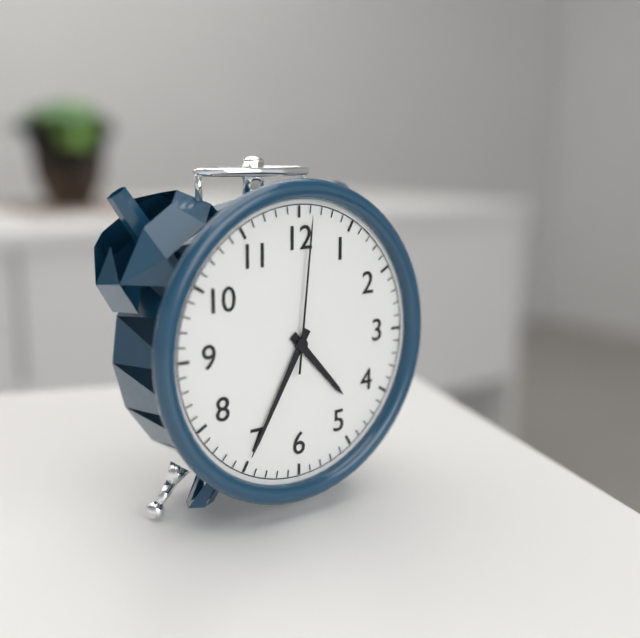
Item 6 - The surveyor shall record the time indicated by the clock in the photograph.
4:35:01
